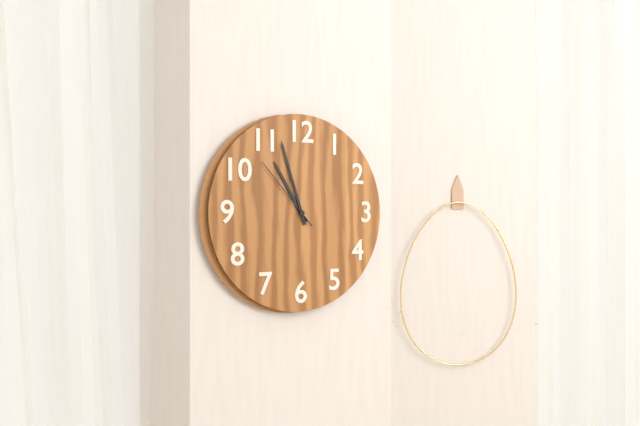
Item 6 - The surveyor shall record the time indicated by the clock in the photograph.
10:57:53
